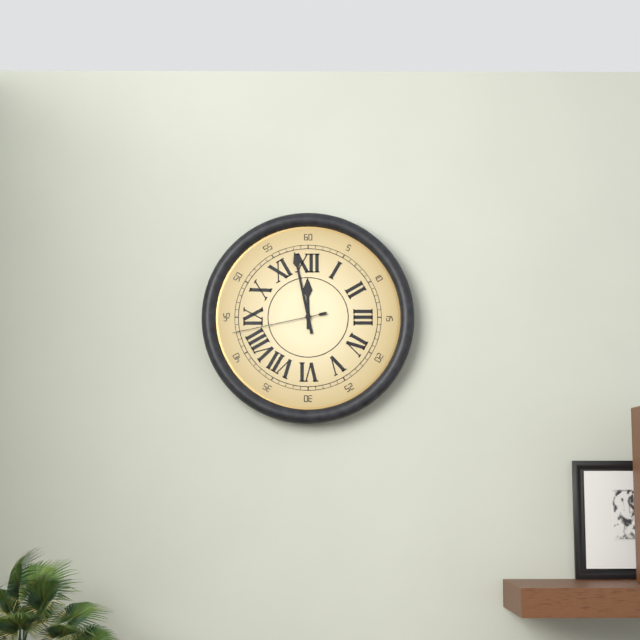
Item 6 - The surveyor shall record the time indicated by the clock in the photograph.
11:58:43
